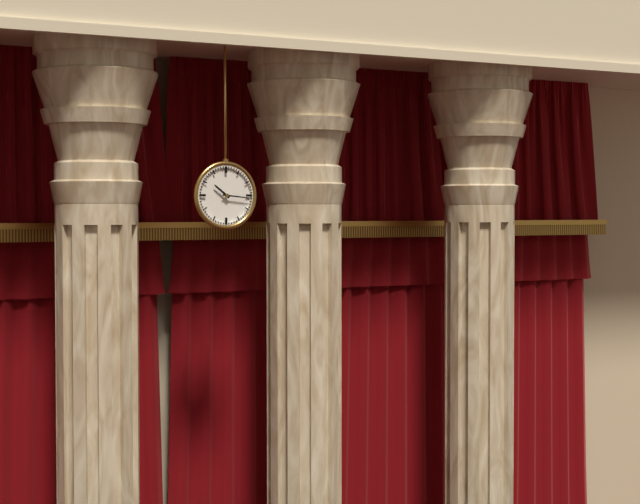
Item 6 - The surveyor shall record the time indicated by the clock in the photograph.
10:16
